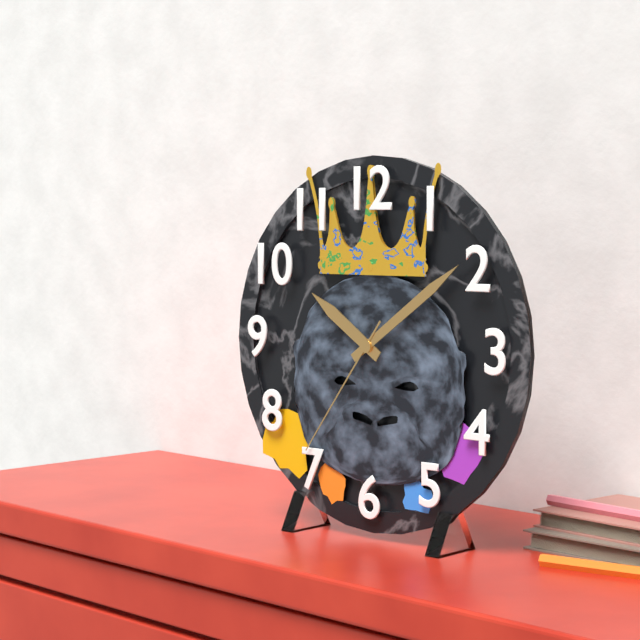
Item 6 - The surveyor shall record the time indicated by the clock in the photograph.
10:09:36
